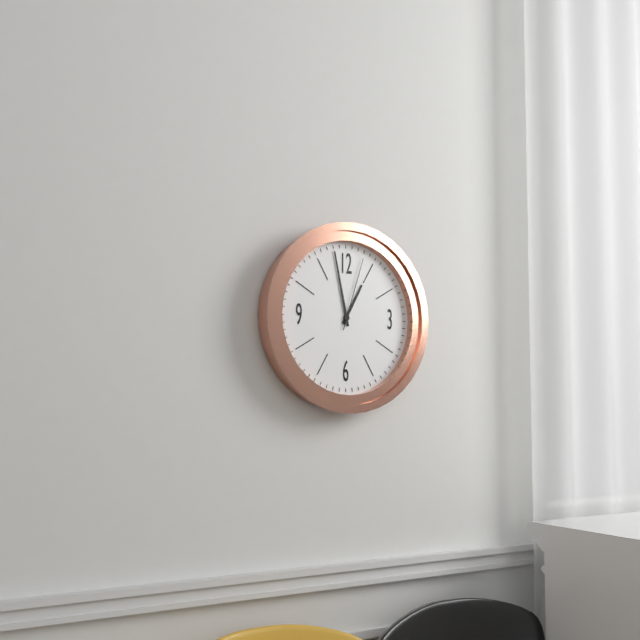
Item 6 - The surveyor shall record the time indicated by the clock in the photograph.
12:58:03
